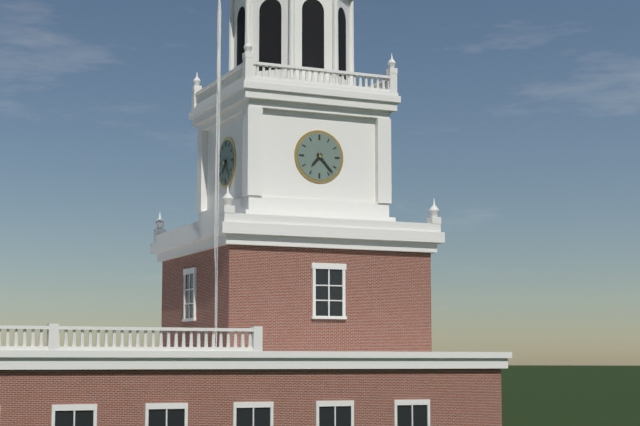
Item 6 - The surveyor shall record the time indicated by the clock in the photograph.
7:23
